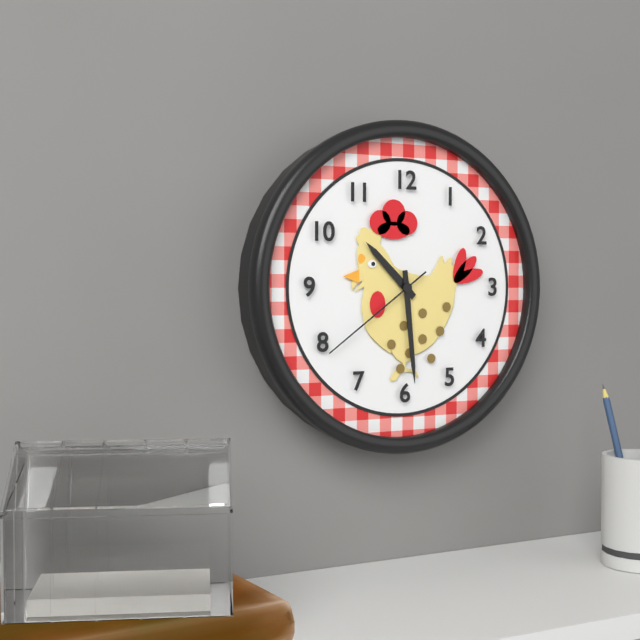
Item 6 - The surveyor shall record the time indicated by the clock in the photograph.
10:29:39
